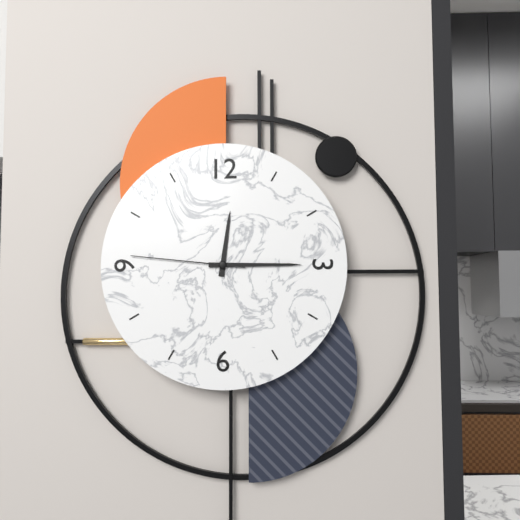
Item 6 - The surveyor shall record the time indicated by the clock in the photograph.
12:15:46
